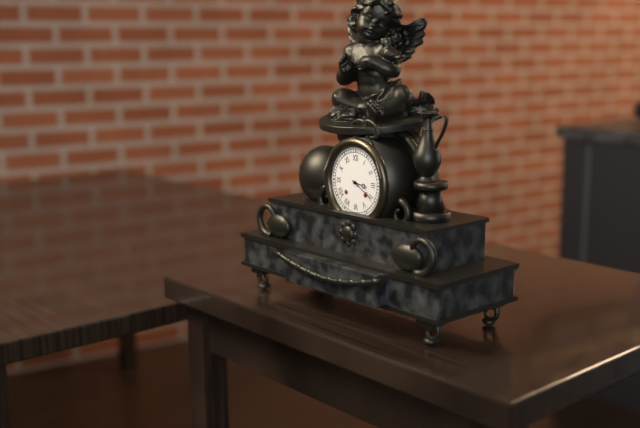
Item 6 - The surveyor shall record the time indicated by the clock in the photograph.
3:20
